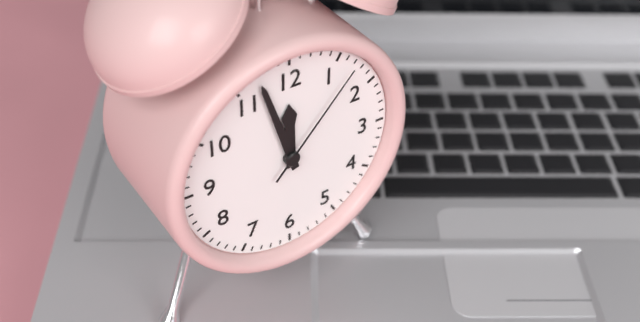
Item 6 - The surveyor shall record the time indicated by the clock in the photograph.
11:57:07
